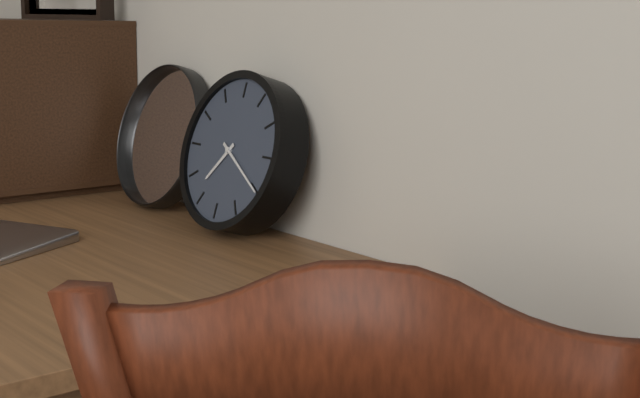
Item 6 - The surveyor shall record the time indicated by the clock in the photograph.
7:20
